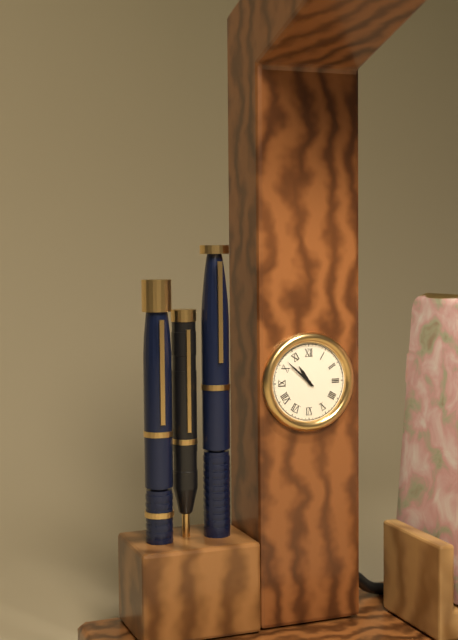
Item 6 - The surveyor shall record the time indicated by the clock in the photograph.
10:52
